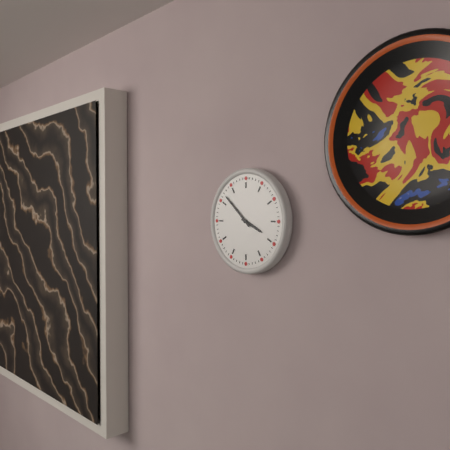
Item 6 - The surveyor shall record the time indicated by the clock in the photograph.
3:52
